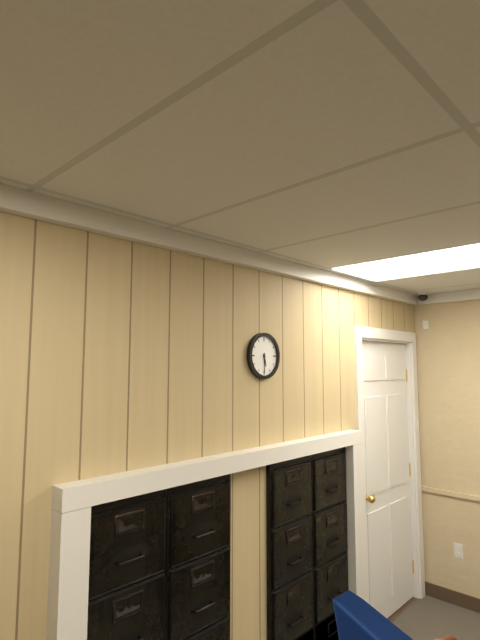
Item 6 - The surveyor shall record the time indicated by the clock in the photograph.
5:30
